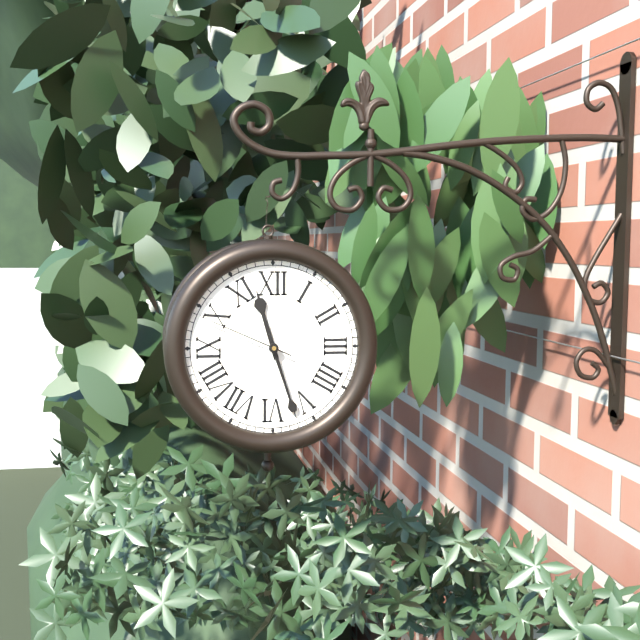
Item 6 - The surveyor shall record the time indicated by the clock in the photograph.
11:27:49
